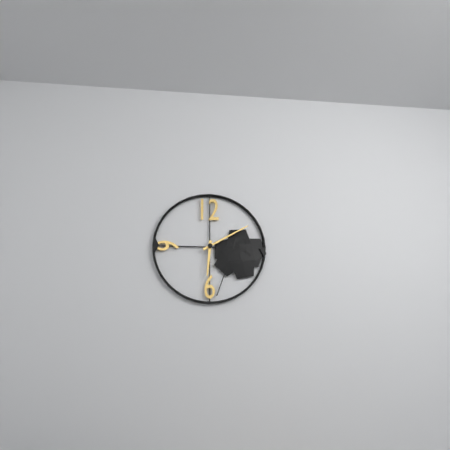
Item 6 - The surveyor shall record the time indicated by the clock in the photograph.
6:10
